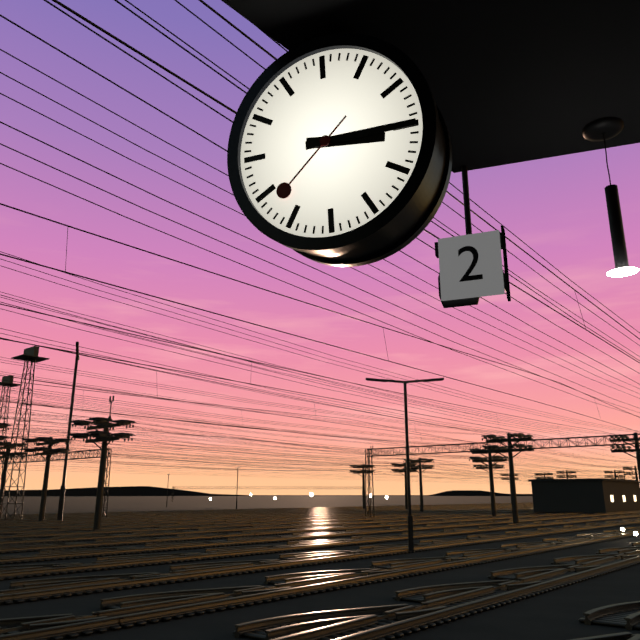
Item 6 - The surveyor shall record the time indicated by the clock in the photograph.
3:15:38
